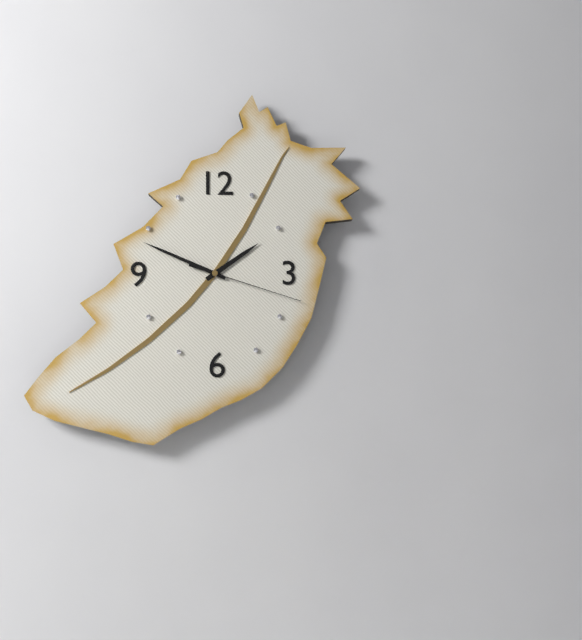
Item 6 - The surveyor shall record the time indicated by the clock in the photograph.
1:49:18
